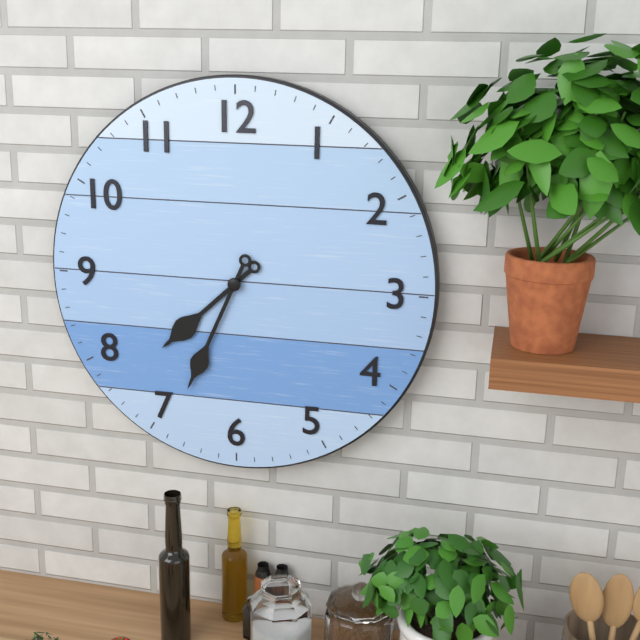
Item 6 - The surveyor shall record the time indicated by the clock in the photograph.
7:34
